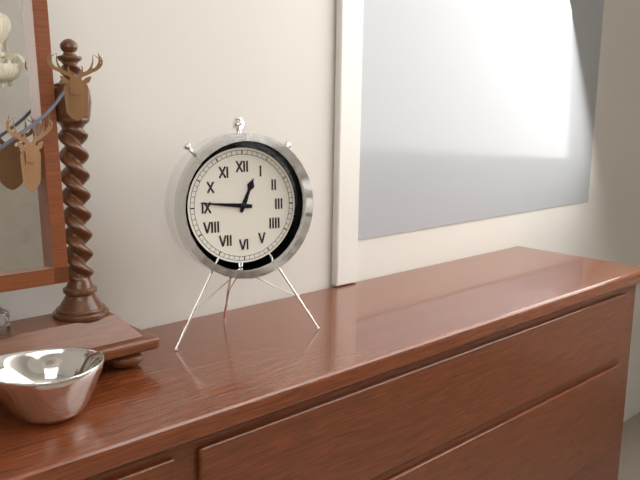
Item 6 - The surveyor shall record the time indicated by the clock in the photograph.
12:46
